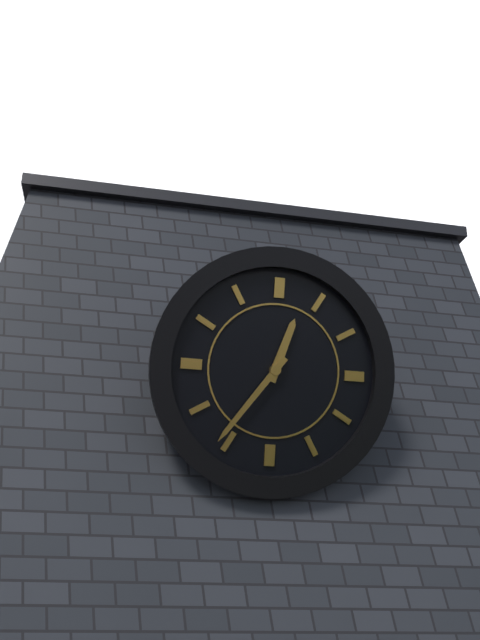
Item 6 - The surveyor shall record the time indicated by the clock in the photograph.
12:36
